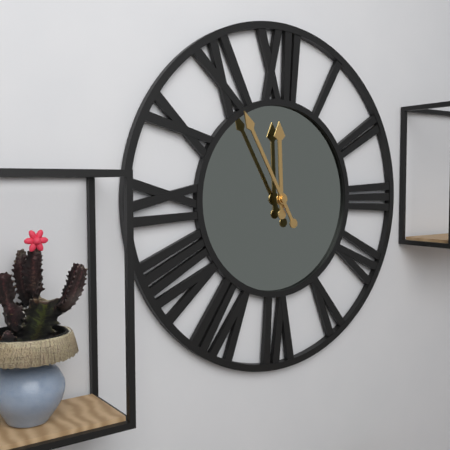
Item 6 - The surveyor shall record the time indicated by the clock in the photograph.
11:55
